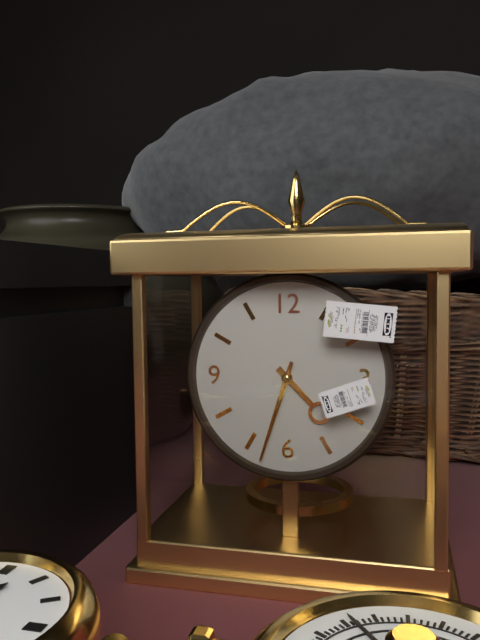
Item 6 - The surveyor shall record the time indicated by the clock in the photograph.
4:33
